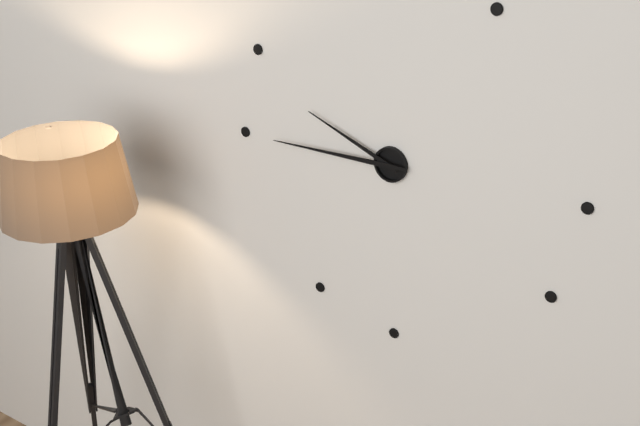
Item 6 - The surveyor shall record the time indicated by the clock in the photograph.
9:45
